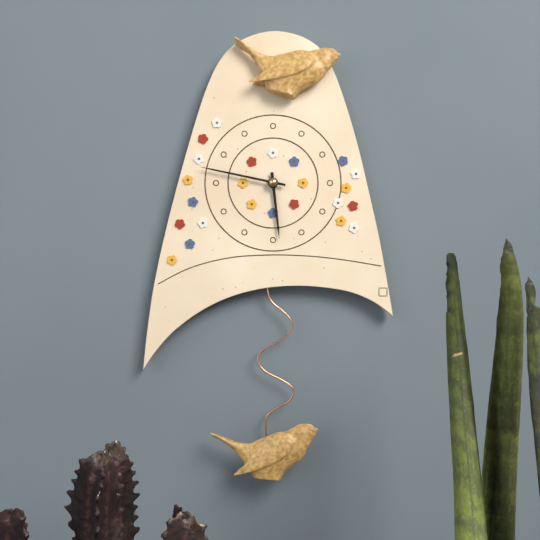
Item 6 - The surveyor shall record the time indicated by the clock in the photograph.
5:47
